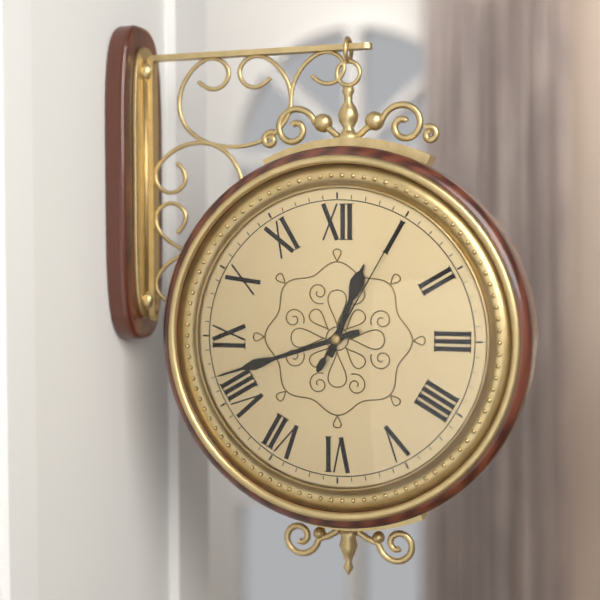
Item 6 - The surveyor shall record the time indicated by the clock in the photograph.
12:42:05
